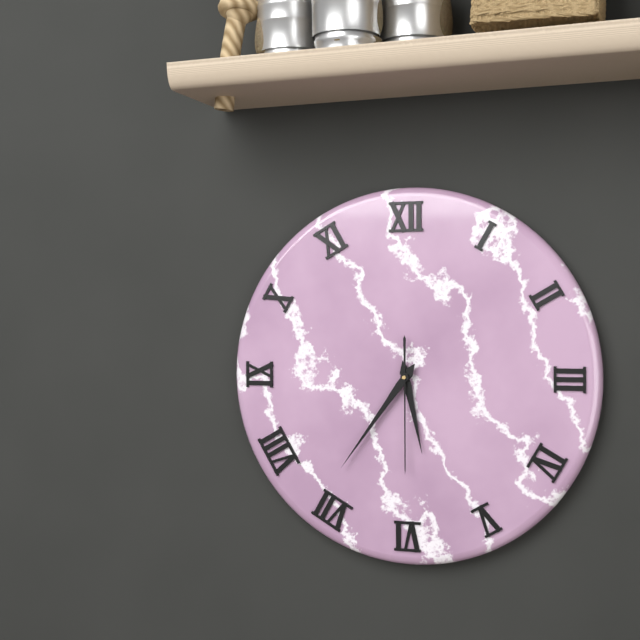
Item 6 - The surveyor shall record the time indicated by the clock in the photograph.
5:36:30
